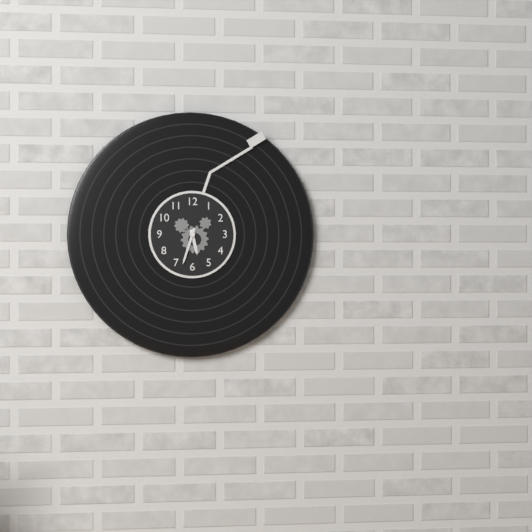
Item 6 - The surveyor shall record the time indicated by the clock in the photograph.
5:33
